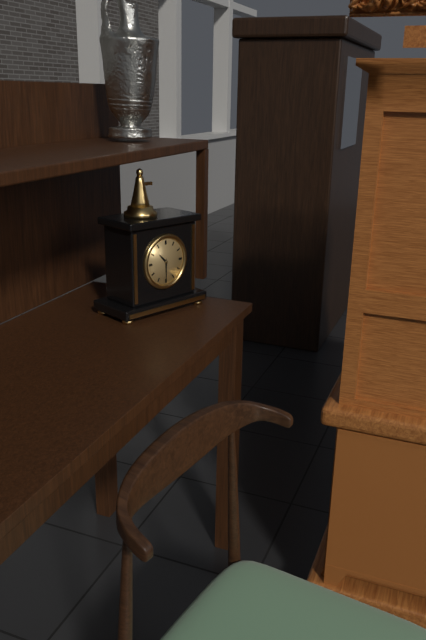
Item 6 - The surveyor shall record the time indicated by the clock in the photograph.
10:30
